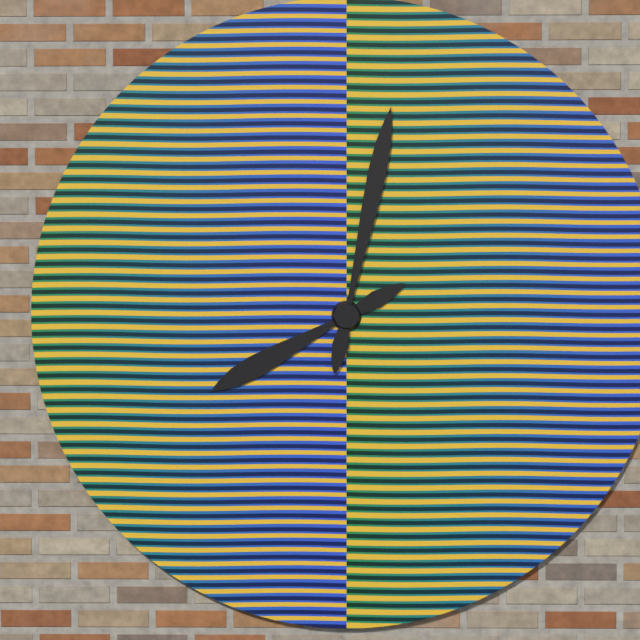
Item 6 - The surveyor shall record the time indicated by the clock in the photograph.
8:02
